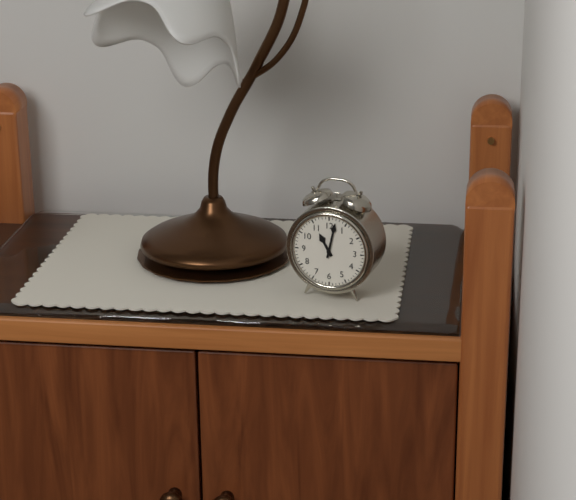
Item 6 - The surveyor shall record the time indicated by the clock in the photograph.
11:02
